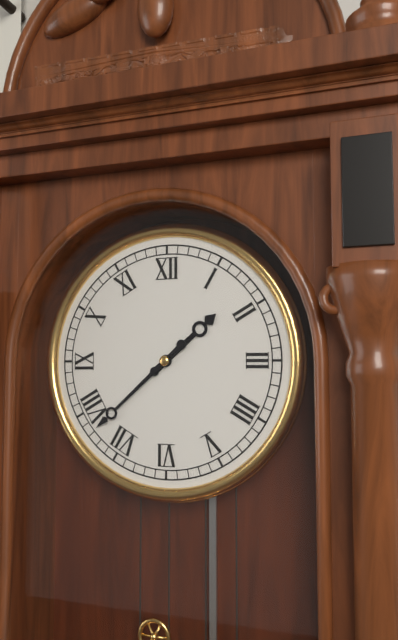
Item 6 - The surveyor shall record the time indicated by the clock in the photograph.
1:38
